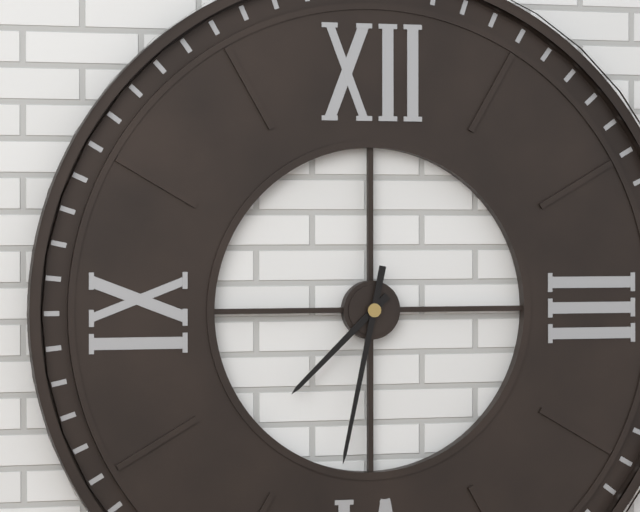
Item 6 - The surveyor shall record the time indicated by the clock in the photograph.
7:32
